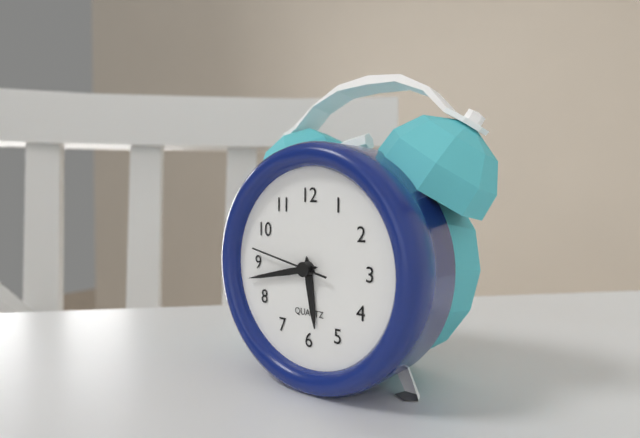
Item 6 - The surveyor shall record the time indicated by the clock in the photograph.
5:43:47
